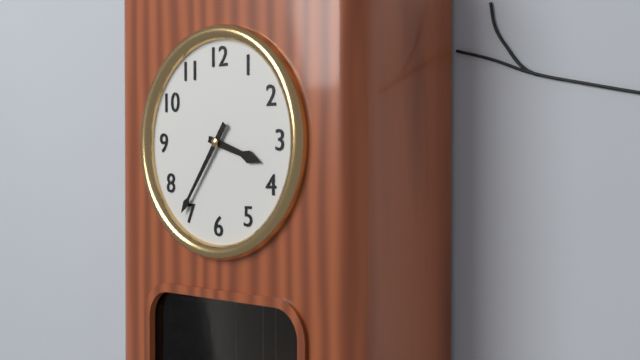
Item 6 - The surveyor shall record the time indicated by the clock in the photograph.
3:36
